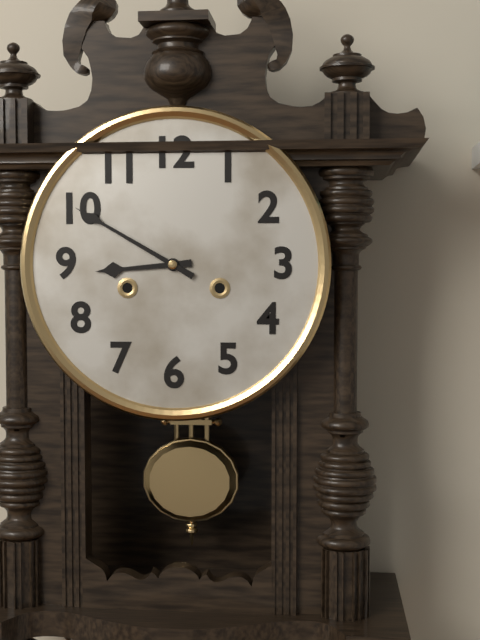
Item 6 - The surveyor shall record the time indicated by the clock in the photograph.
8:50
